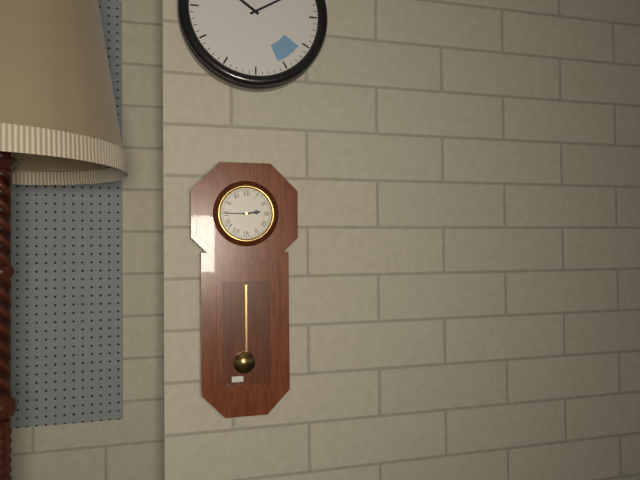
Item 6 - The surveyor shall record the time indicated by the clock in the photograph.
2:45
